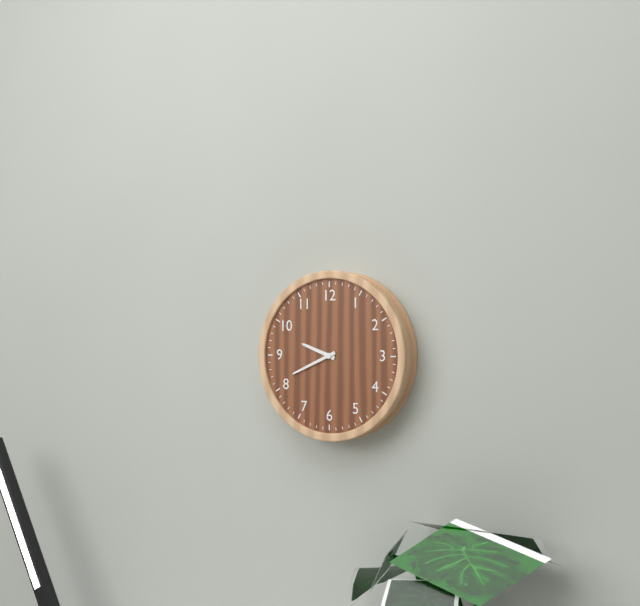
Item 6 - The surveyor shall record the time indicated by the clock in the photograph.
9:41
